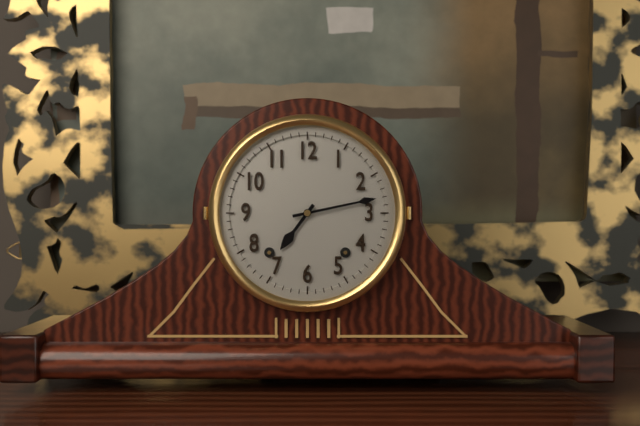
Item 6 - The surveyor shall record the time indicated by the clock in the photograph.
7:13
